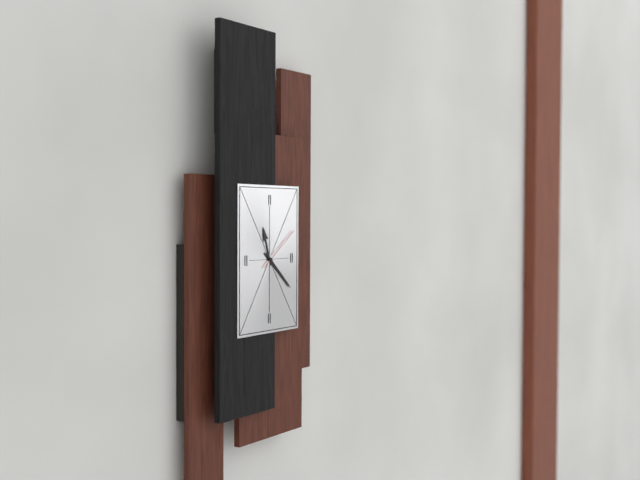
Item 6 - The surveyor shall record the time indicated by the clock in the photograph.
11:22:09
